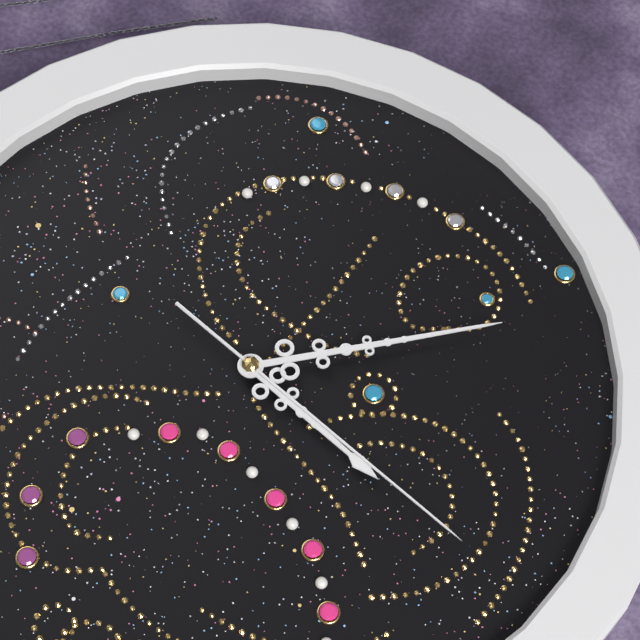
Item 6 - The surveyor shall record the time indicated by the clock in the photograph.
9:39:48
